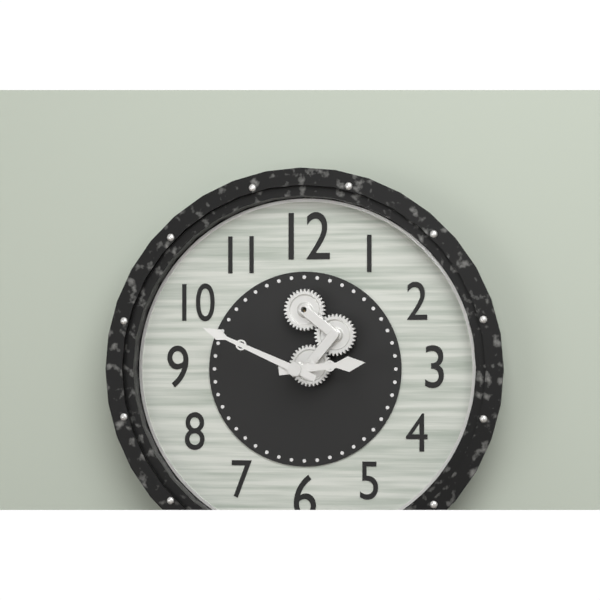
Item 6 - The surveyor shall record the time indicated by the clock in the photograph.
2:49
